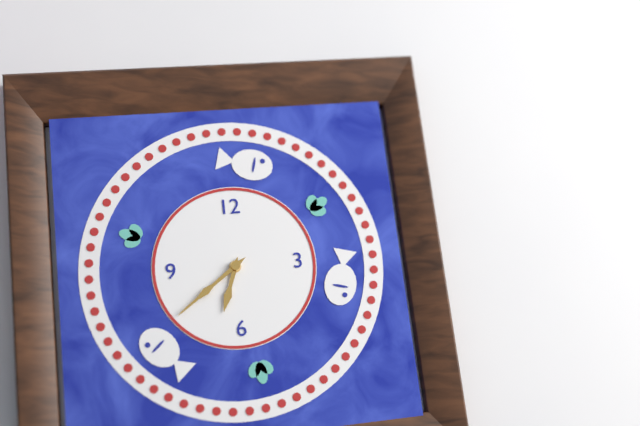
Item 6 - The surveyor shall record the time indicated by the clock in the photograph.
6:39
